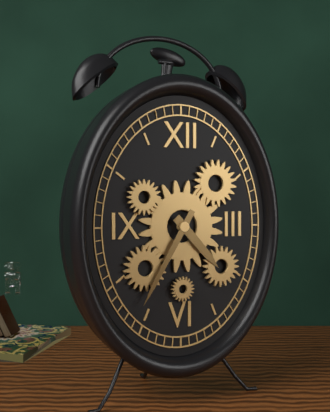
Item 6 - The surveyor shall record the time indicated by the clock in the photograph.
4:35
